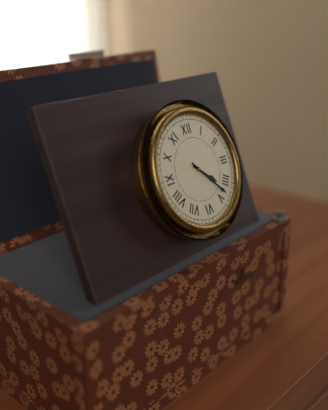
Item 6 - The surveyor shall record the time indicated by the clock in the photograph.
4:23
